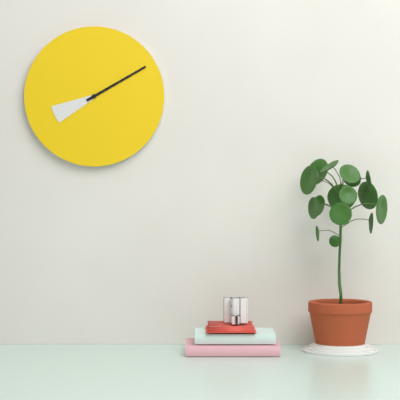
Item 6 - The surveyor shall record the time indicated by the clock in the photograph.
8:10
